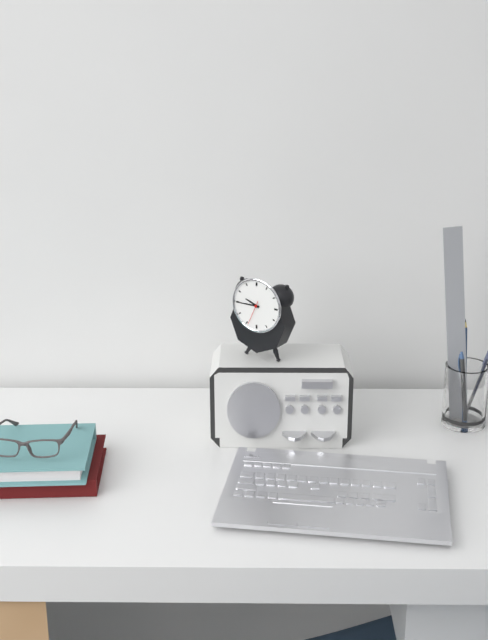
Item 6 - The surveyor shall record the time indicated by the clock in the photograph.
9:45
